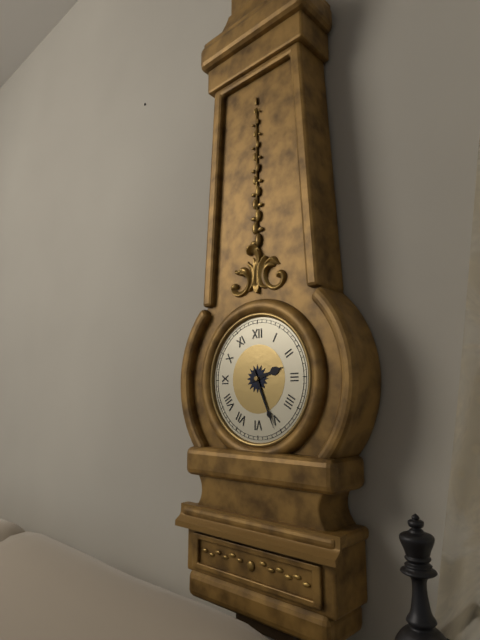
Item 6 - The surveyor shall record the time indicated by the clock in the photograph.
2:26
